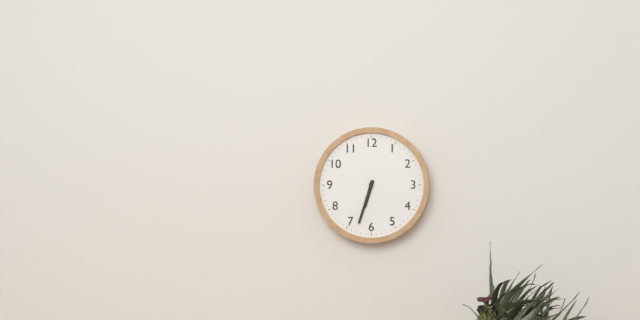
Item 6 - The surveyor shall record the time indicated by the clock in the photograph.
6:33
